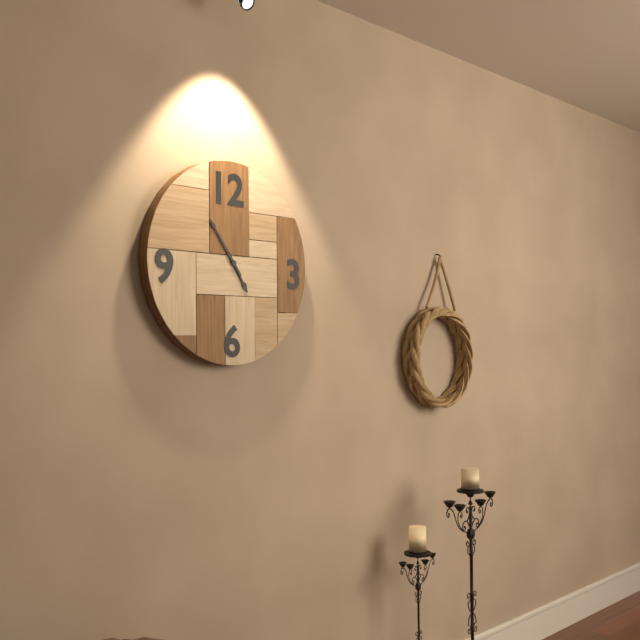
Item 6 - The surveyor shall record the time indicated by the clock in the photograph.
4:54
